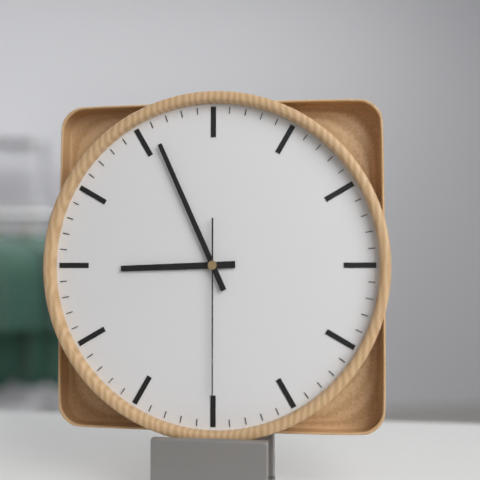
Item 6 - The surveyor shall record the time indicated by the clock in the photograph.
8:56:30
